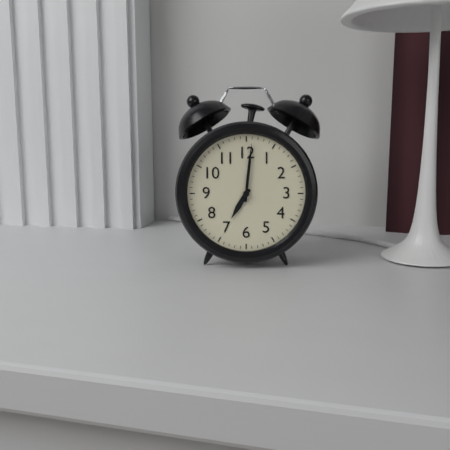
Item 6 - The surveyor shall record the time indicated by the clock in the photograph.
7:01
